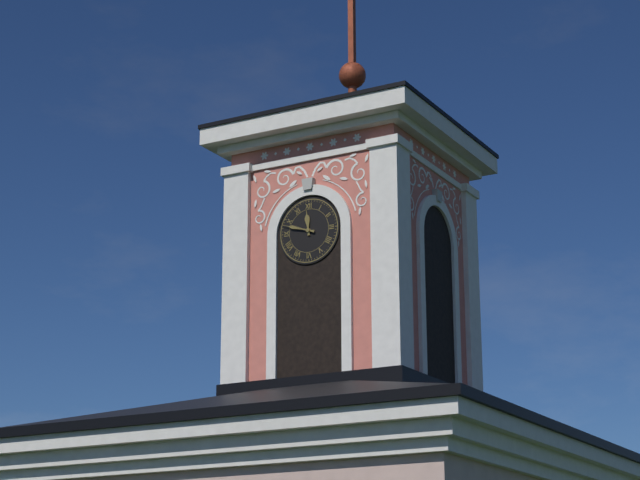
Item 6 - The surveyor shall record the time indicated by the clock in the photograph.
11:48
